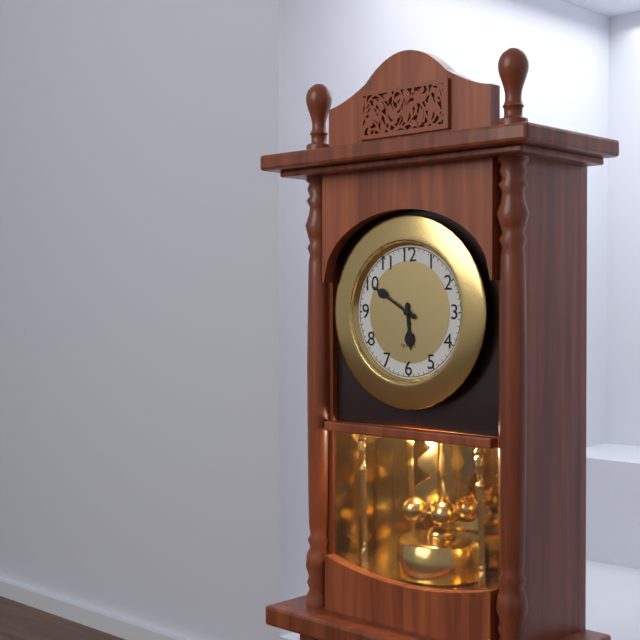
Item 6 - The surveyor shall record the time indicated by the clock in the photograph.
5:50
